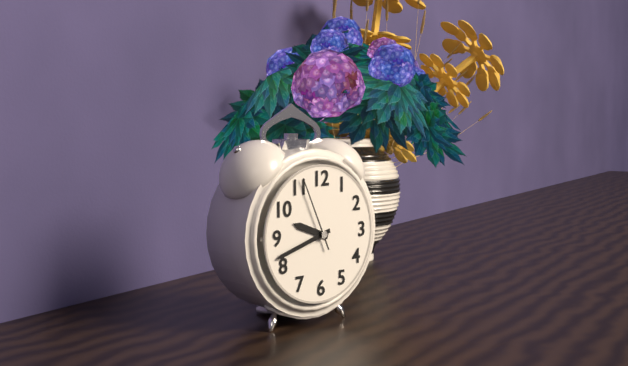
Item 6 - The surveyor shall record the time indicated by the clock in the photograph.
9:42:56
